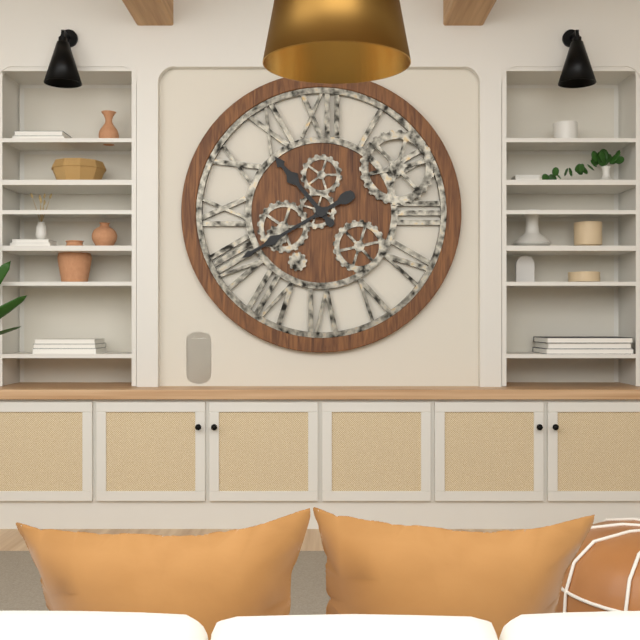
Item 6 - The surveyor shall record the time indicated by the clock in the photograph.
10:40
